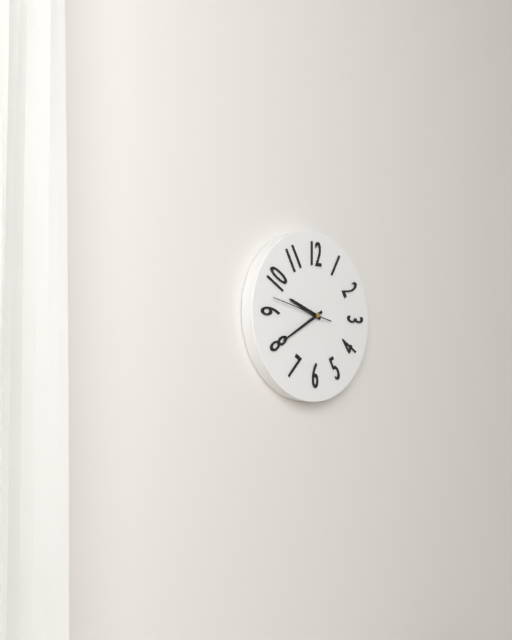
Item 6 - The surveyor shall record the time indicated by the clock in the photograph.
9:40
